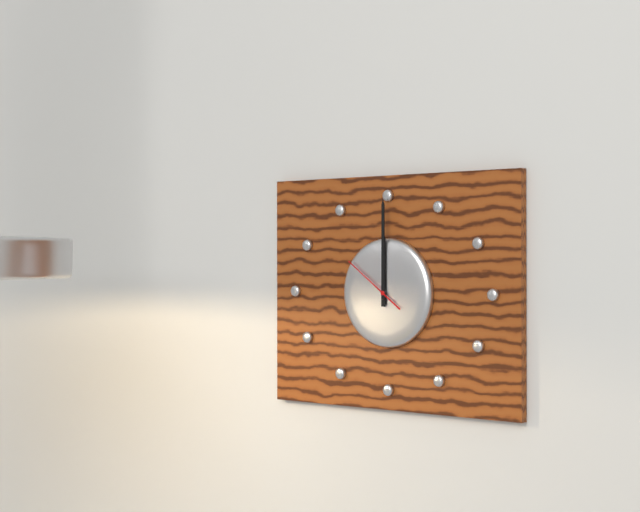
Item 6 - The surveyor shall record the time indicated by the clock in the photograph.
12:00:51
